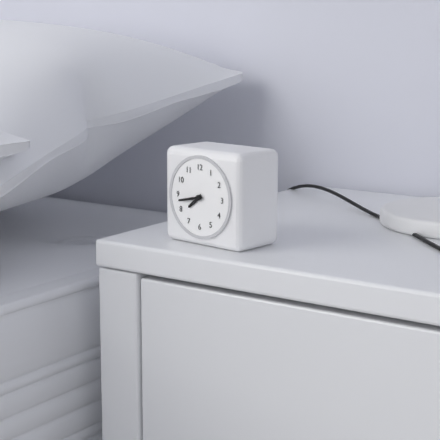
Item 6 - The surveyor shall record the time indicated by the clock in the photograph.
7:43
